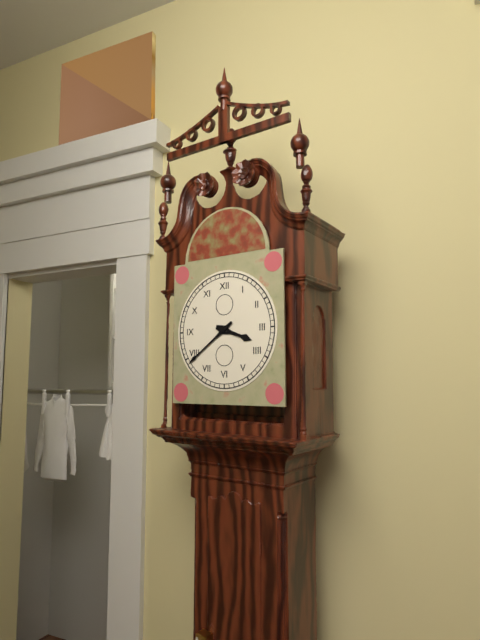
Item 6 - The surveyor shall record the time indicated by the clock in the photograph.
3:39
